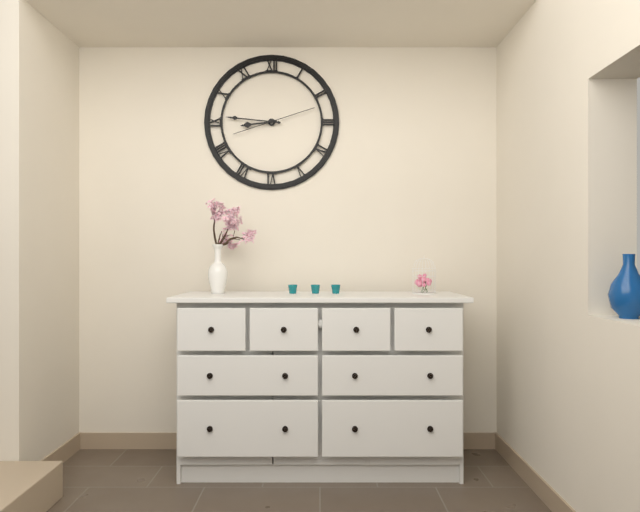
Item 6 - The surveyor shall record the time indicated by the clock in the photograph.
8:46:12
